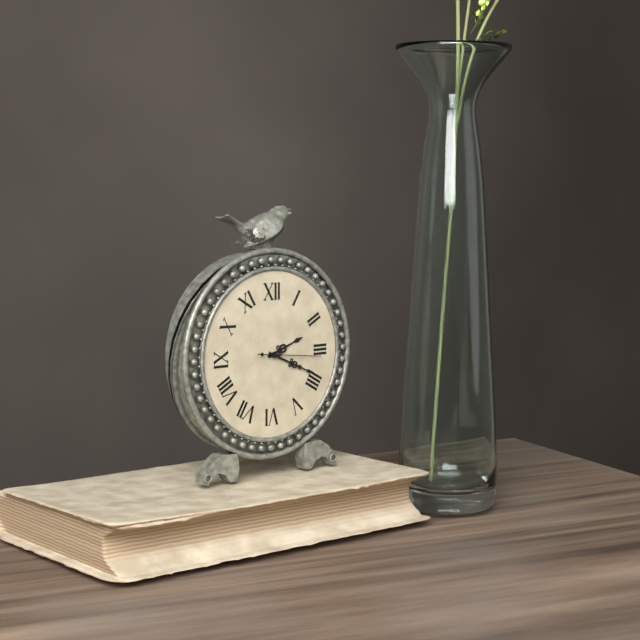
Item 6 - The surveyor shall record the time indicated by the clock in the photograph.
2:19:16
